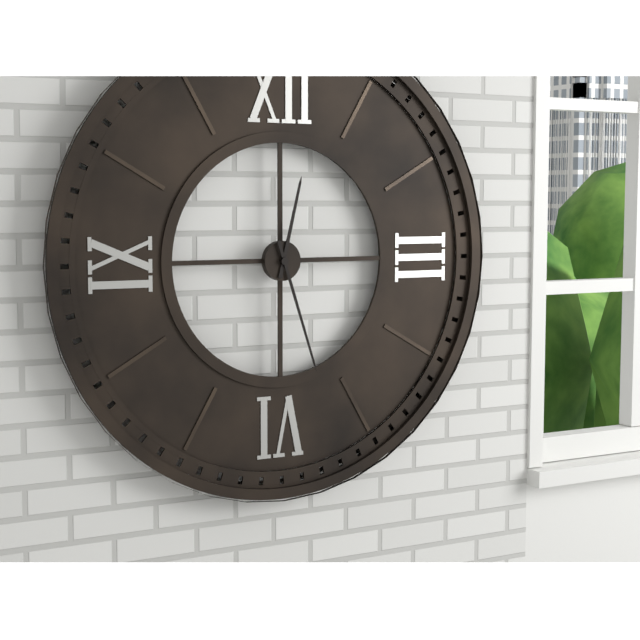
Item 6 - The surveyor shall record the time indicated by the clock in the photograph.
12:27
